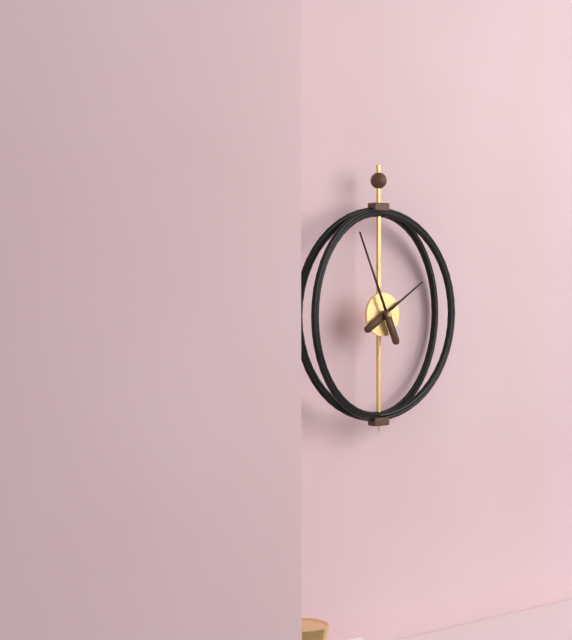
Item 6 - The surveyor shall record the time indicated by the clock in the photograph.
1:56
